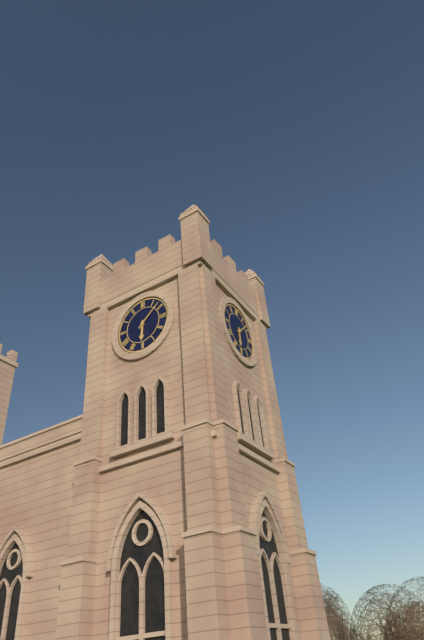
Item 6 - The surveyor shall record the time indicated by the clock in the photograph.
6:08
